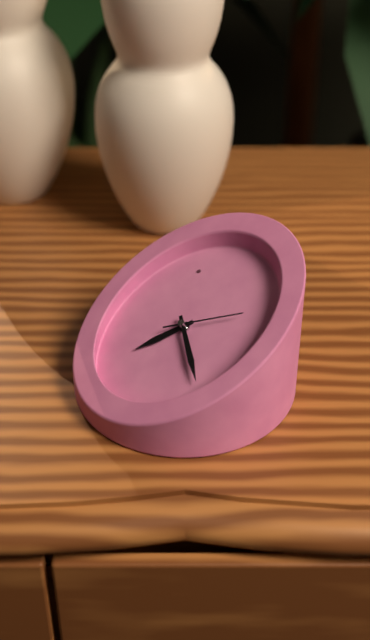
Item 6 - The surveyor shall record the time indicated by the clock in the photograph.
9:33:21
